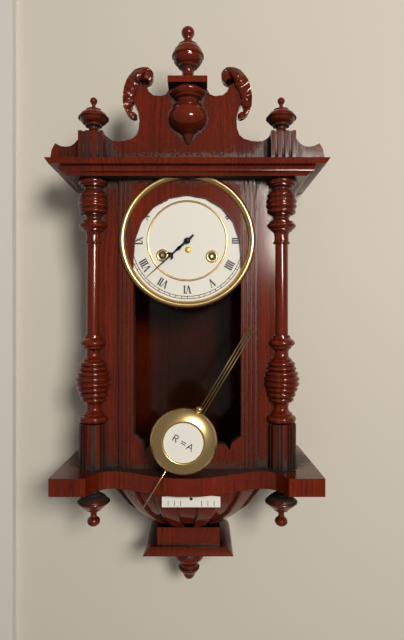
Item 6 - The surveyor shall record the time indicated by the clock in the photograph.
7:38
